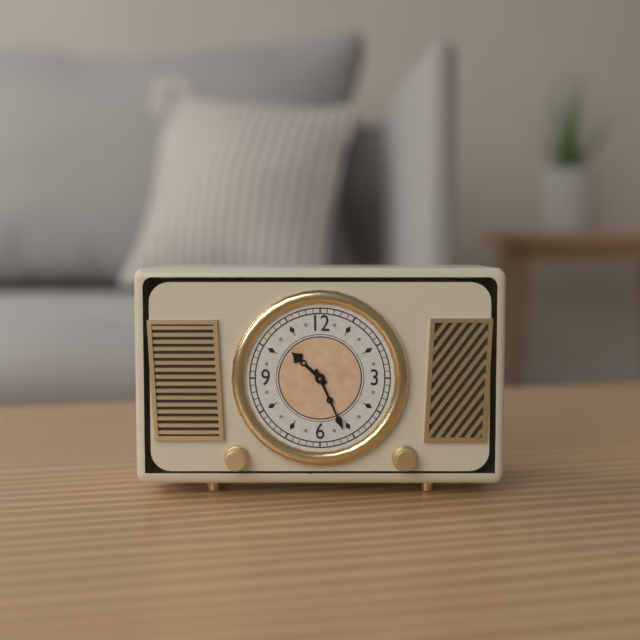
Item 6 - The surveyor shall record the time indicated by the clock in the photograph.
10:26
